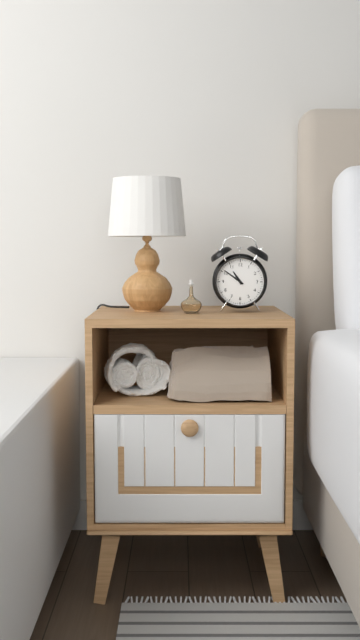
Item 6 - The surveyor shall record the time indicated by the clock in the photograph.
10:51
